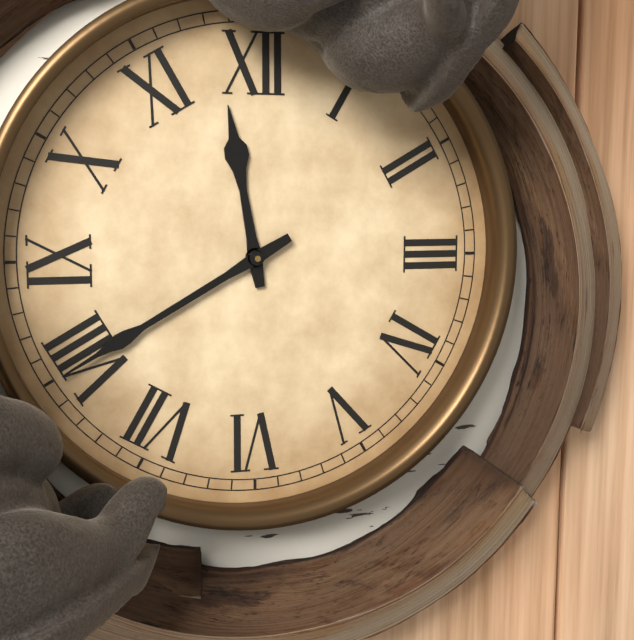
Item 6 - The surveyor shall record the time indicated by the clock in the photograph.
11:40
